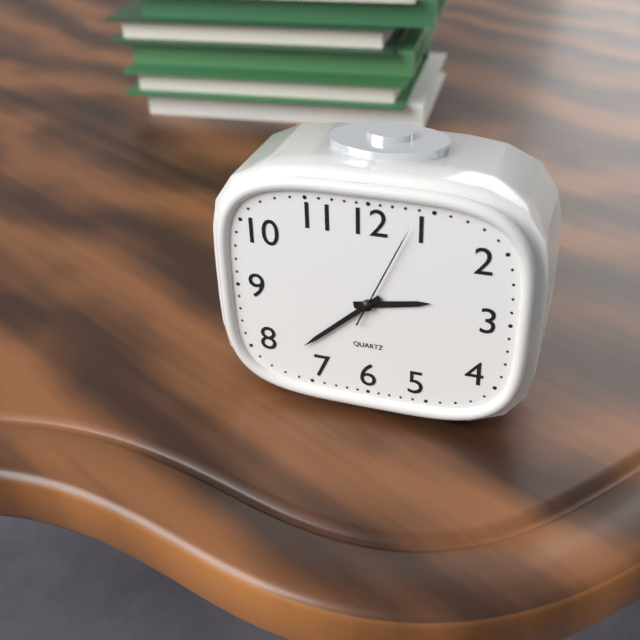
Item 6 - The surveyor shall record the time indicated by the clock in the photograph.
2:38:04
